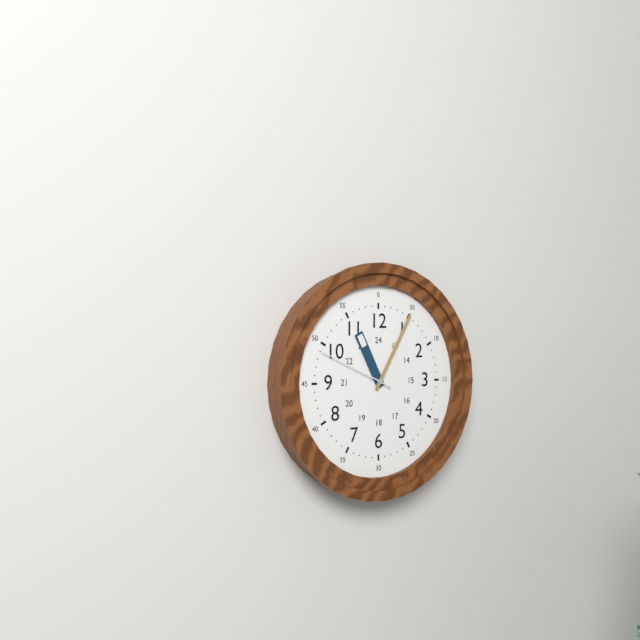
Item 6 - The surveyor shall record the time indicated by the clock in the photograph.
11:05:49
